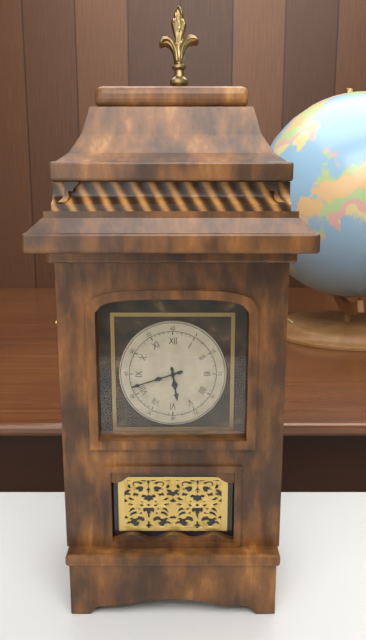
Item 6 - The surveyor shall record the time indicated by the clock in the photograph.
5:42
